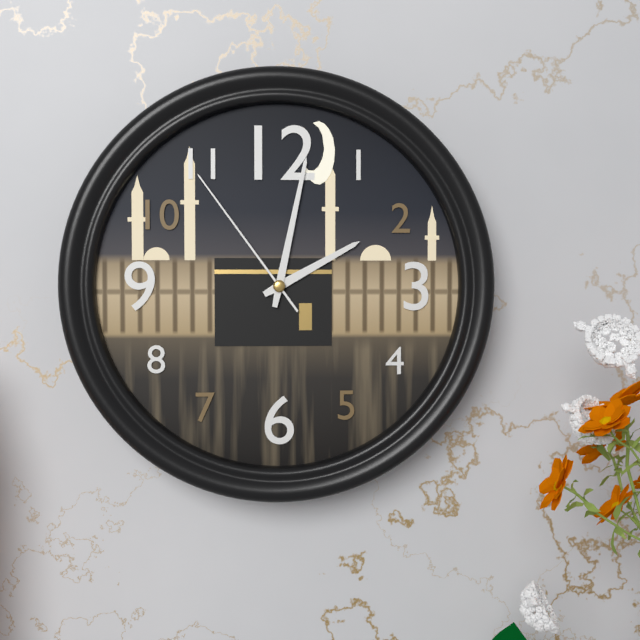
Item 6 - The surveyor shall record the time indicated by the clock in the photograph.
2:02:54
